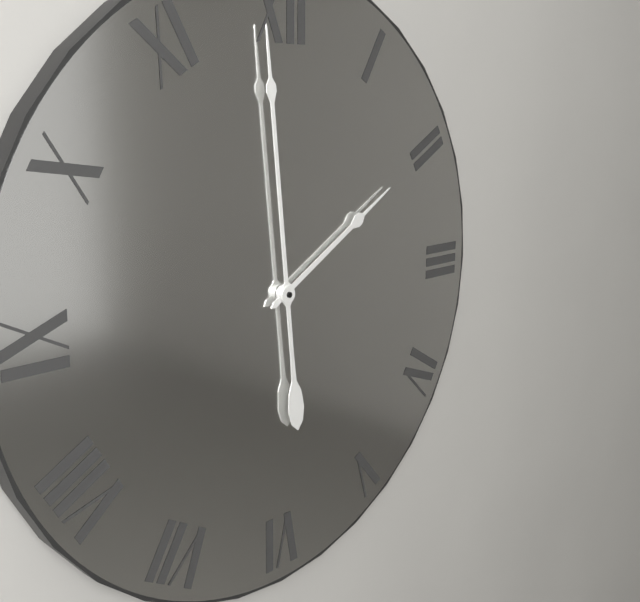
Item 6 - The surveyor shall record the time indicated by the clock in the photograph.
1:59
